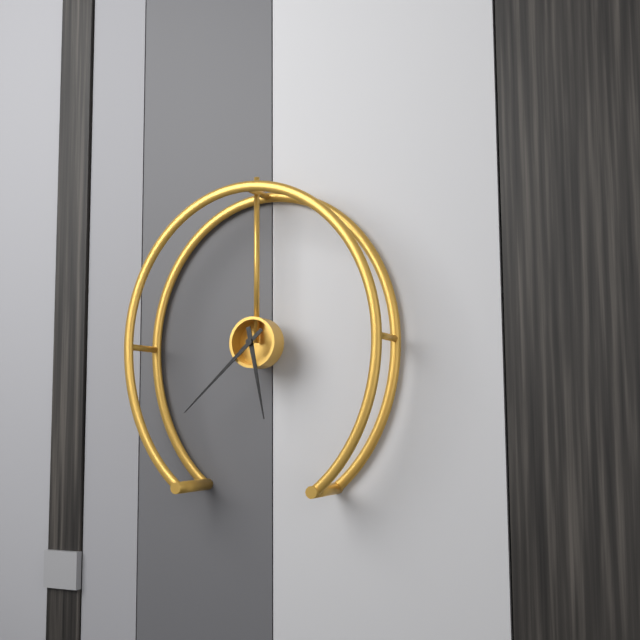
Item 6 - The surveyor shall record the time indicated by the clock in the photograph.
5:38
